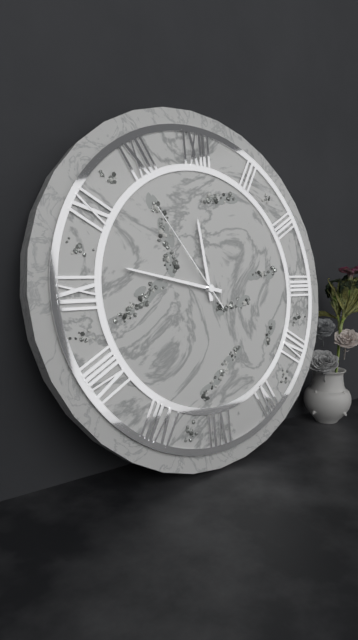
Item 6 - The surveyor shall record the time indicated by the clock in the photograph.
11:47:54
